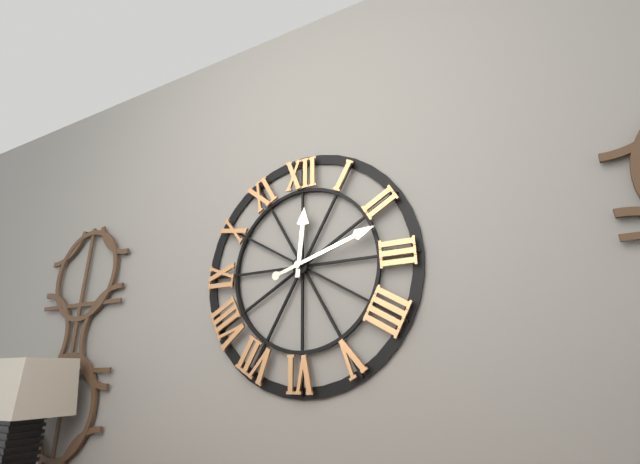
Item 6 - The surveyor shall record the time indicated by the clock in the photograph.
12:12
